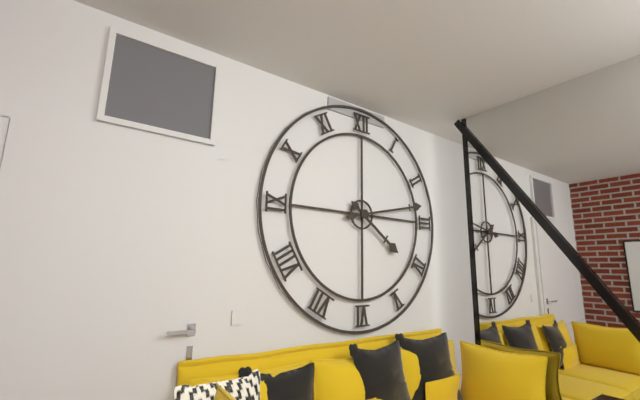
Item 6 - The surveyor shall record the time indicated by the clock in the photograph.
4:13
